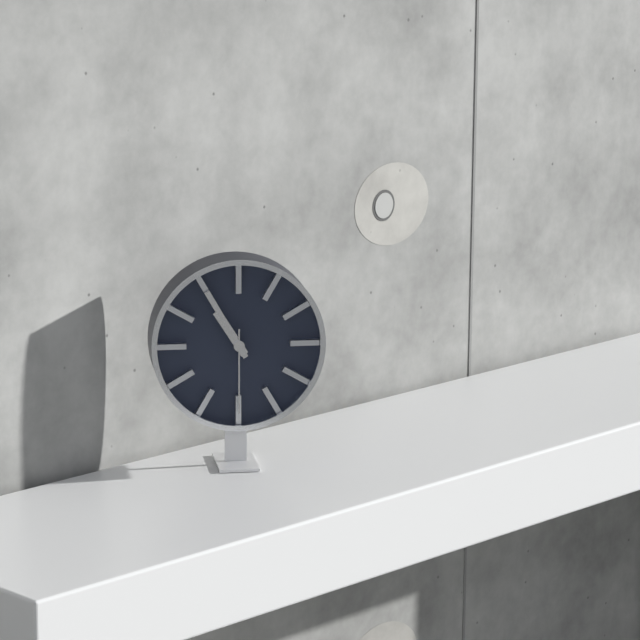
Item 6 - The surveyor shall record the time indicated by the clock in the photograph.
10:55:30
